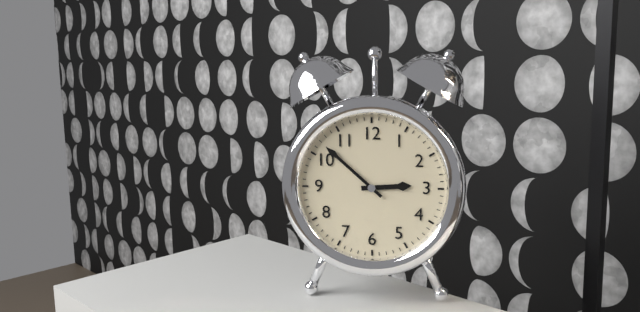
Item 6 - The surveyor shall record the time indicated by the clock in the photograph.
2:52
